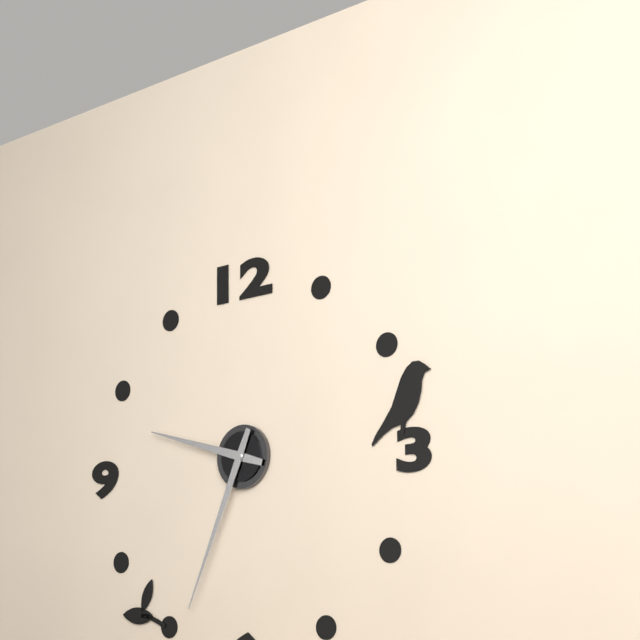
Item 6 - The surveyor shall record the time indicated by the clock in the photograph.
9:34
